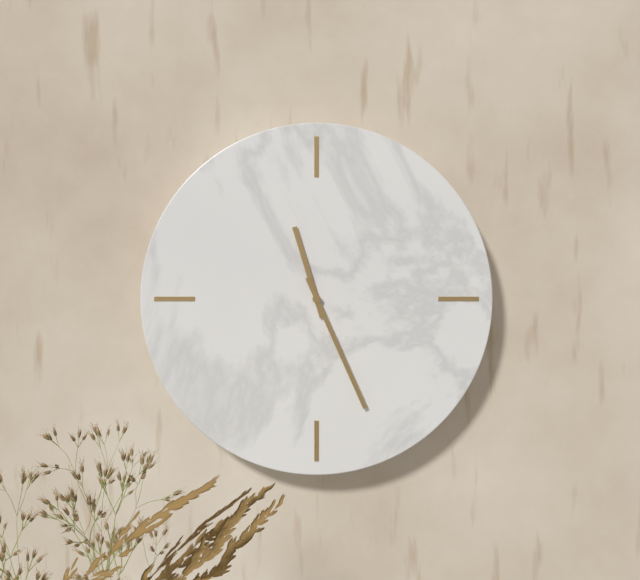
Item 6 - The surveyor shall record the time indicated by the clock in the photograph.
11:26
